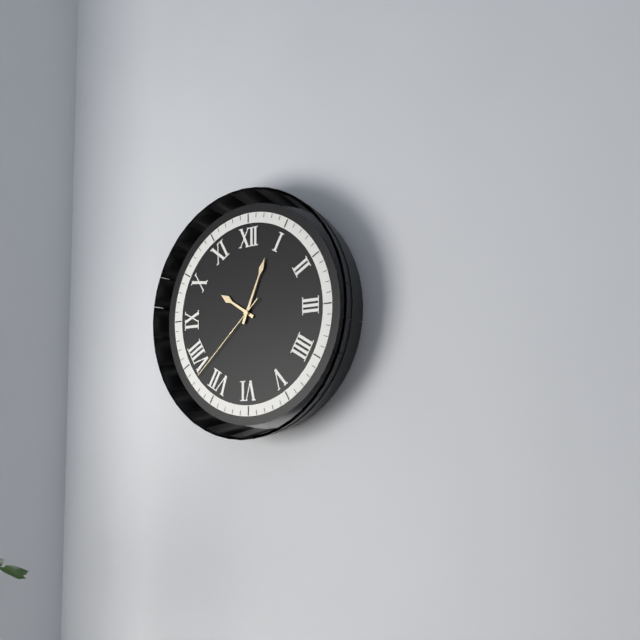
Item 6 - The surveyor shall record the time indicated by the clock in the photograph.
10:04:38
